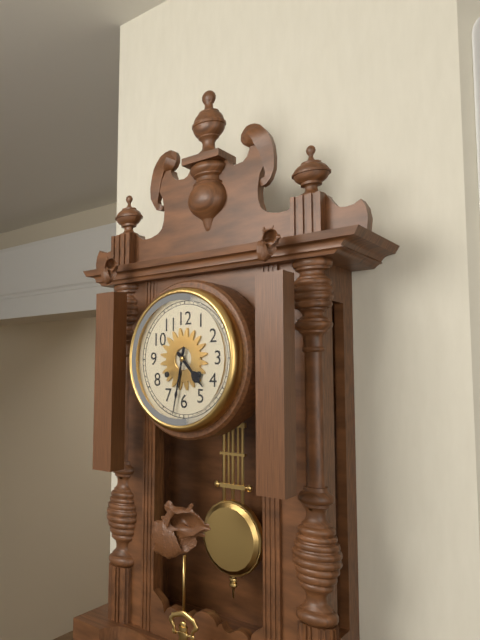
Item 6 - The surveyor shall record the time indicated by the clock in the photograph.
4:32
